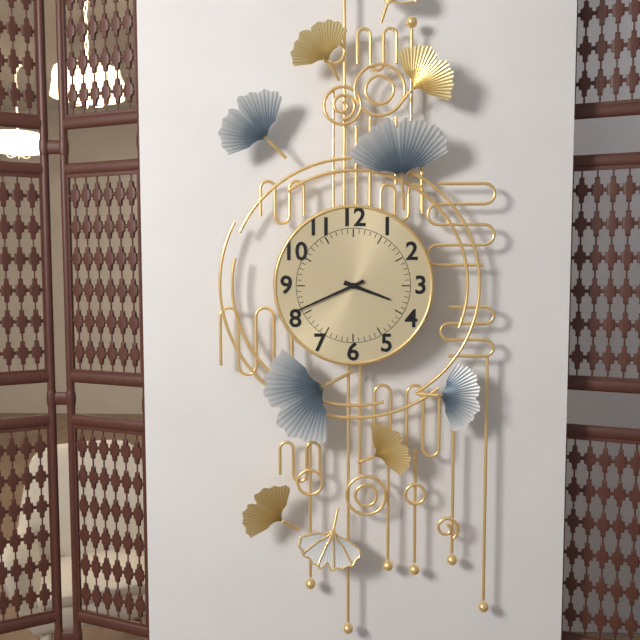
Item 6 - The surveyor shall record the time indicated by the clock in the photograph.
3:41
